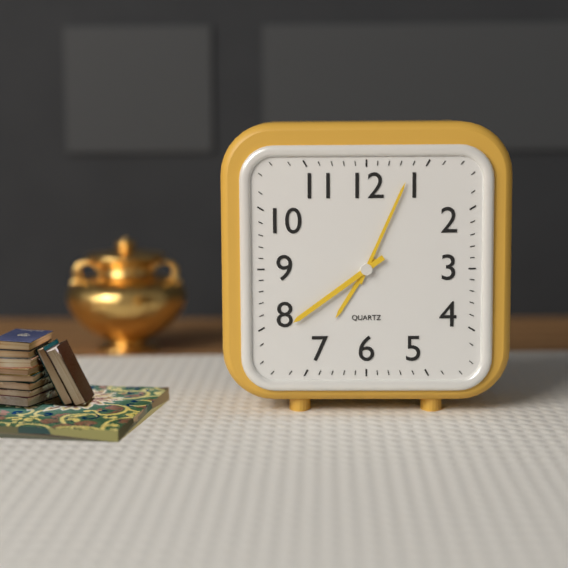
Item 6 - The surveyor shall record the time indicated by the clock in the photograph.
7:04:39
